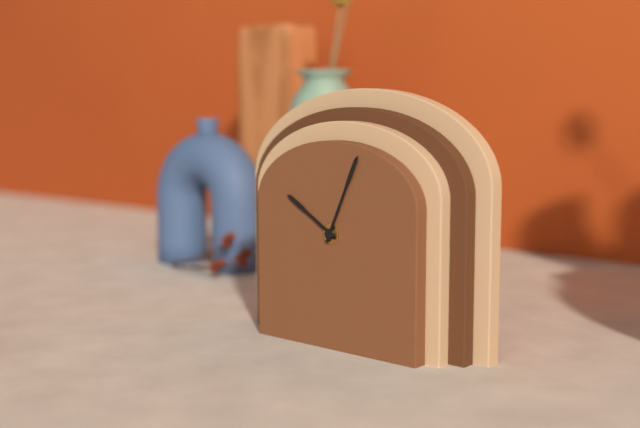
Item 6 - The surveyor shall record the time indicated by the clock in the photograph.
10:04
